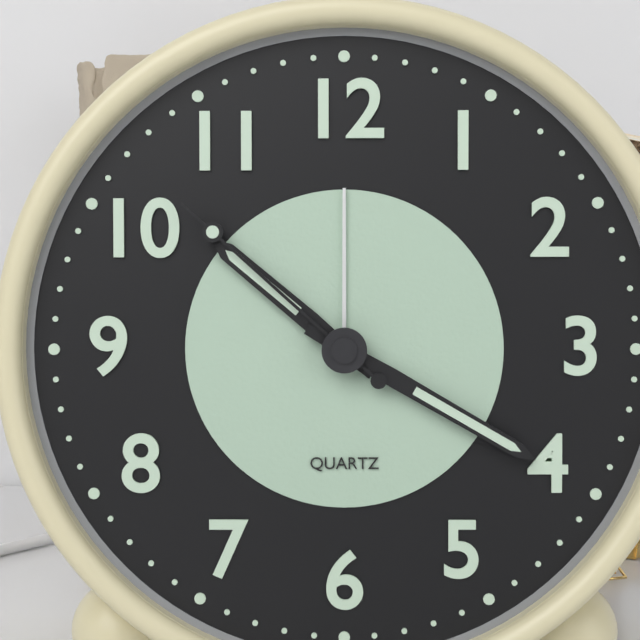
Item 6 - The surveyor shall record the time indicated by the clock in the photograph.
10:20:52
